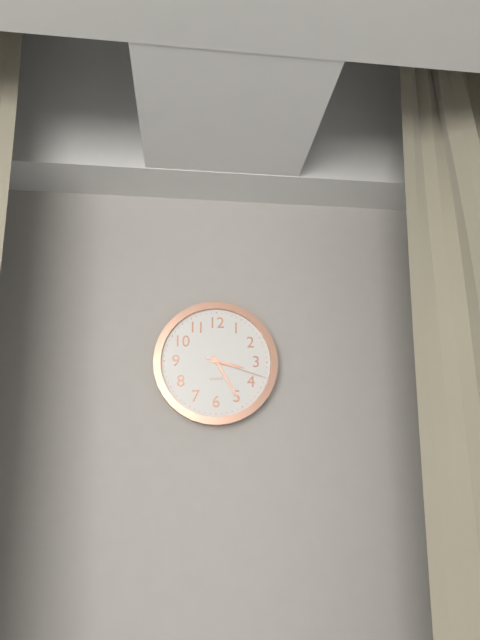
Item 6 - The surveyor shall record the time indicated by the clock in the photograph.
3:25:18
